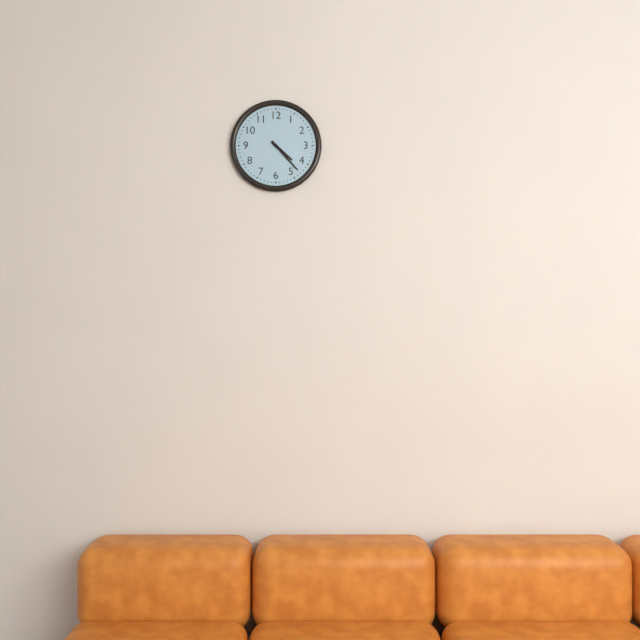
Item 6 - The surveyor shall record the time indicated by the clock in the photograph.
4:23
